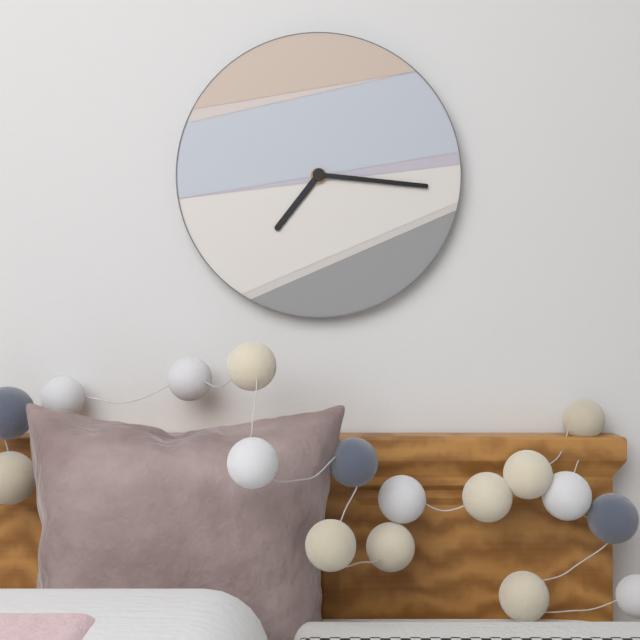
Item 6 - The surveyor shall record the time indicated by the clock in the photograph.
7:16
